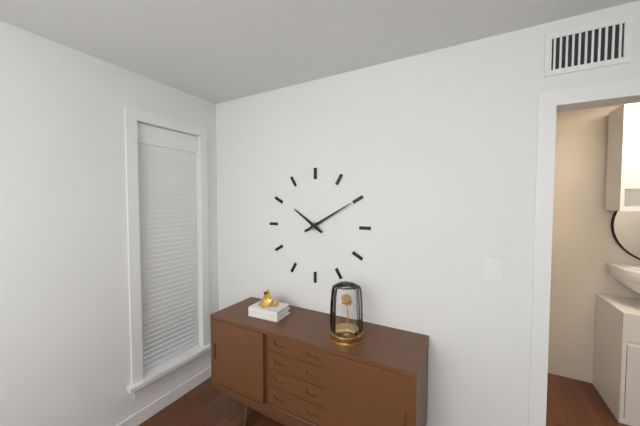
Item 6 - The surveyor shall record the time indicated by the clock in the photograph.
10:10
